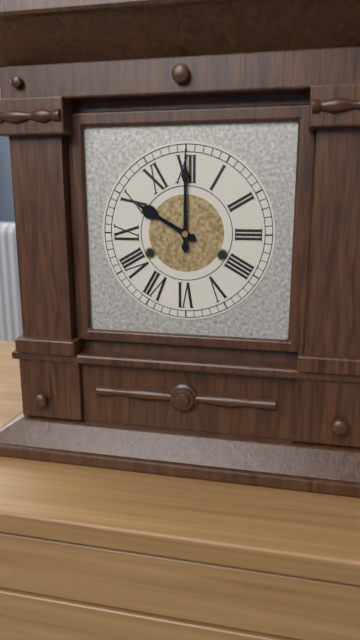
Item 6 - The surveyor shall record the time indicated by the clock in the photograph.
10:00
